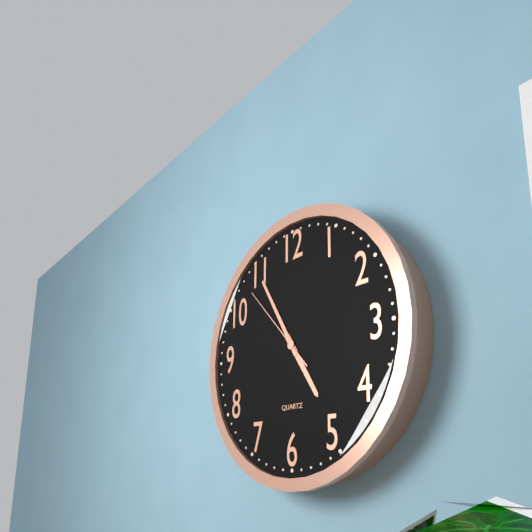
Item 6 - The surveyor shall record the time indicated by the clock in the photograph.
4:55:53
